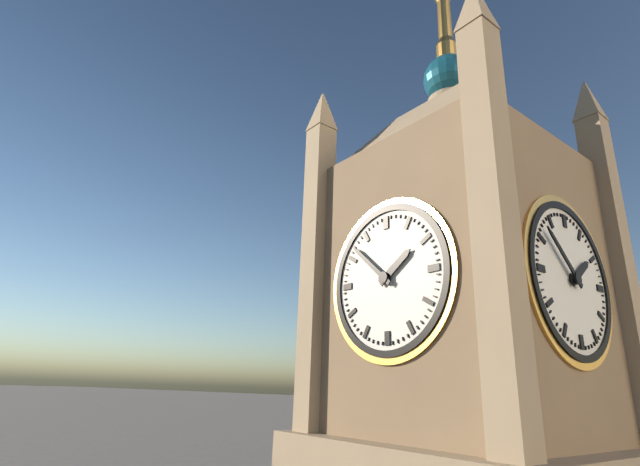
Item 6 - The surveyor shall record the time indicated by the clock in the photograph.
1:52
